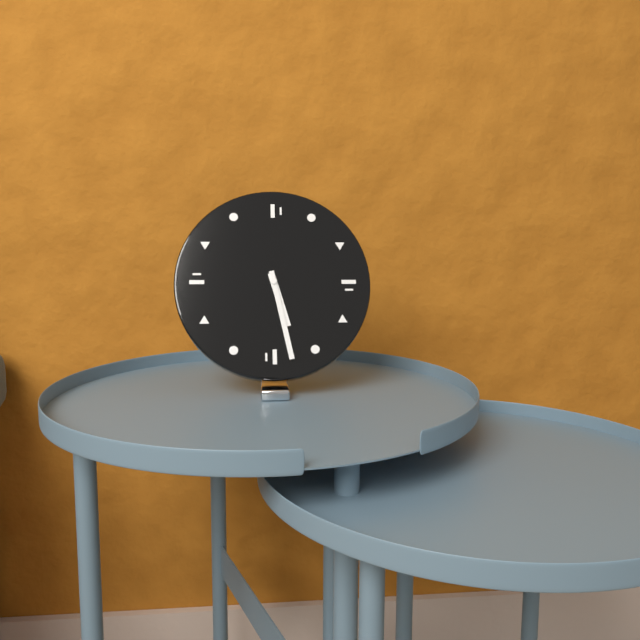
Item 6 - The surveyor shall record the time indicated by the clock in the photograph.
5:28
